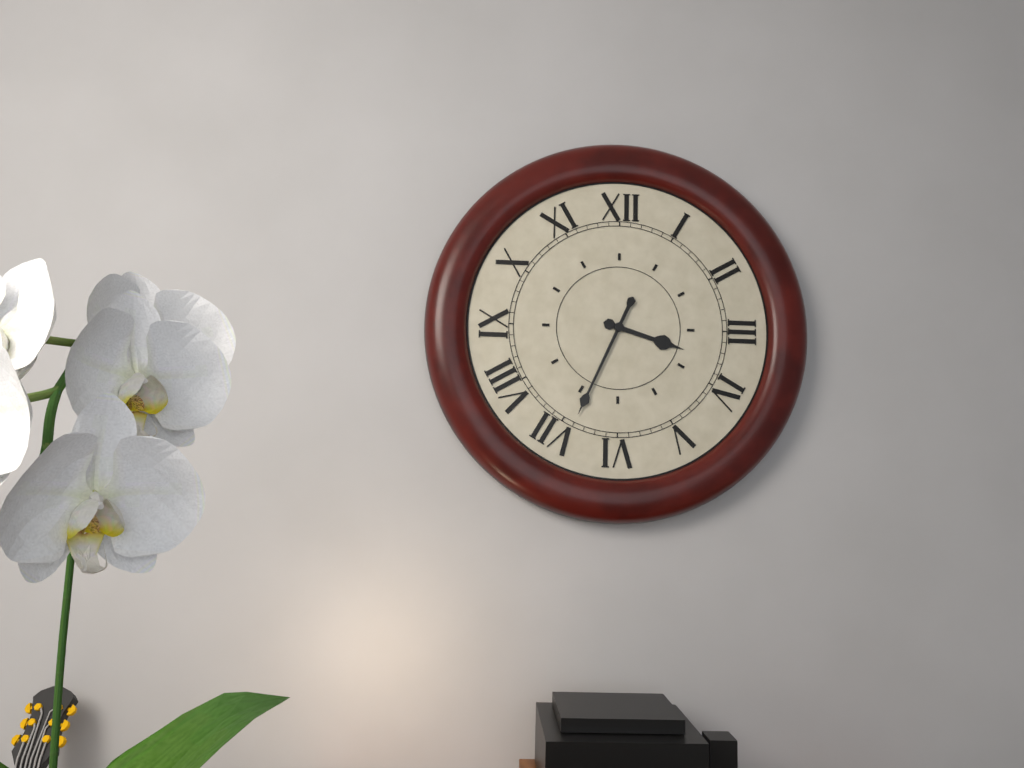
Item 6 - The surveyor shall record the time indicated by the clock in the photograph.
3:34
